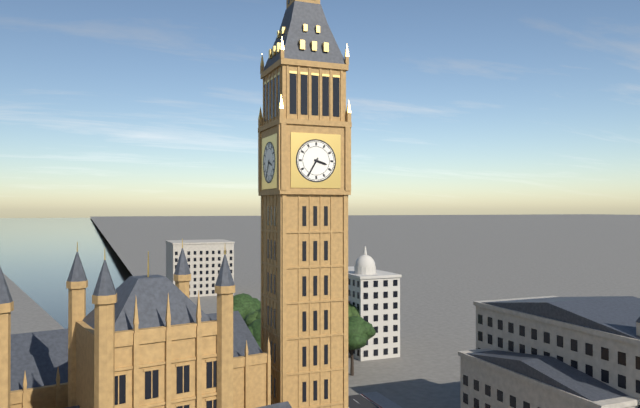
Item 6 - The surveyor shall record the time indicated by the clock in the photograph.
3:35
